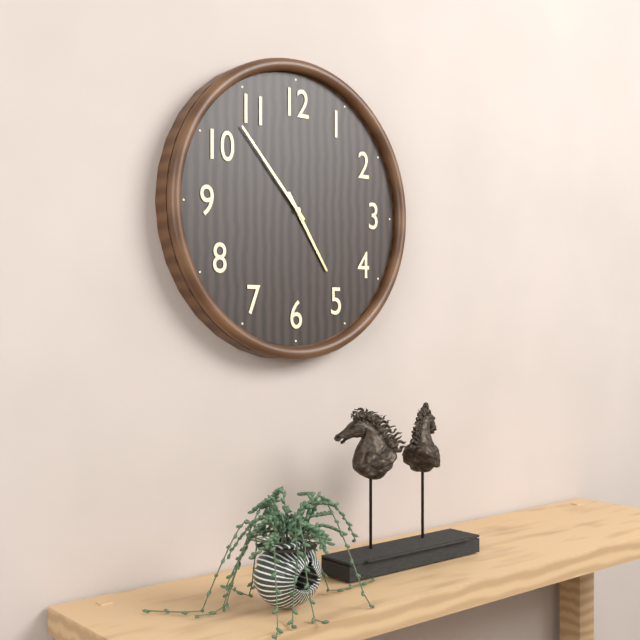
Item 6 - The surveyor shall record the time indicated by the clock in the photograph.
4:53
